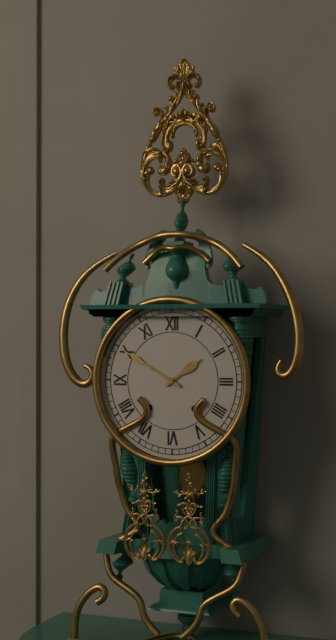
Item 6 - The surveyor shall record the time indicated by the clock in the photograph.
1:50
